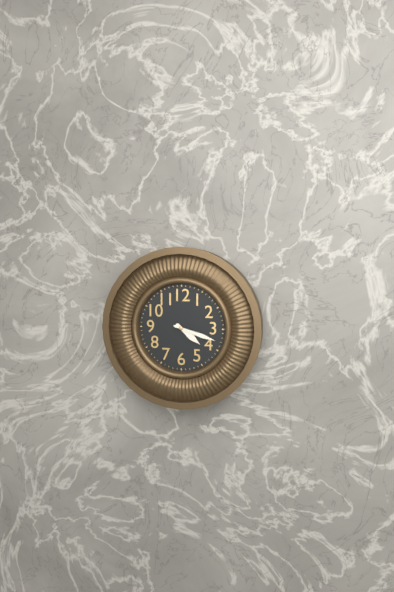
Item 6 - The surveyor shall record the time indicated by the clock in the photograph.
4:18
